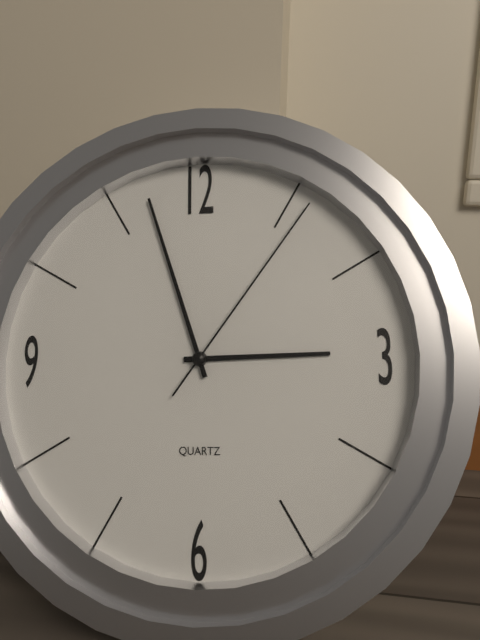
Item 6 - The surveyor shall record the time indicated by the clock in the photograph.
2:57:06
